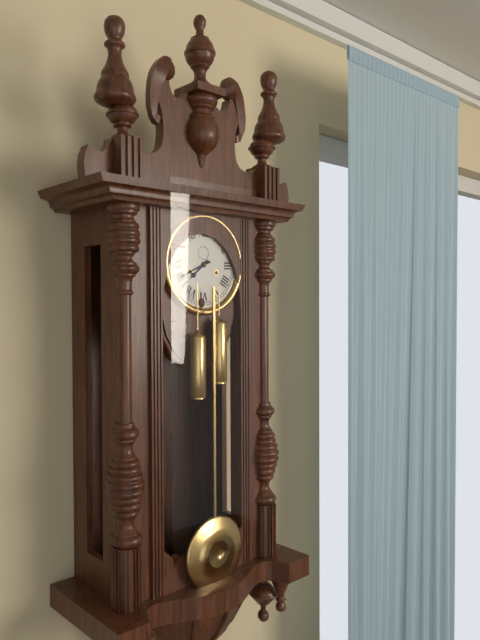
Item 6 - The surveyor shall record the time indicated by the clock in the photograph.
7:41
